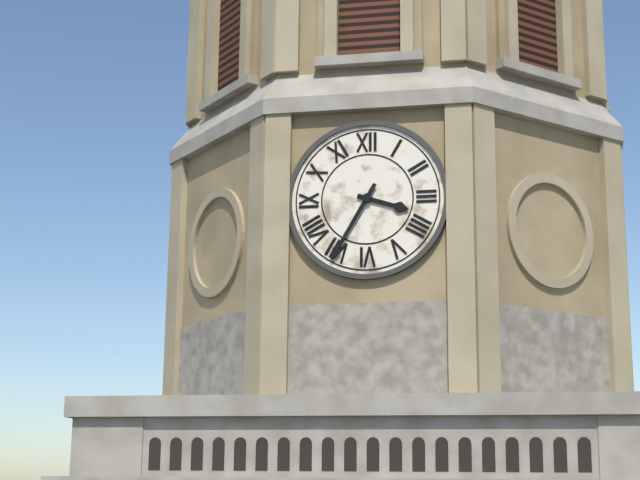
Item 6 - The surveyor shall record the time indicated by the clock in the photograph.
3:35
